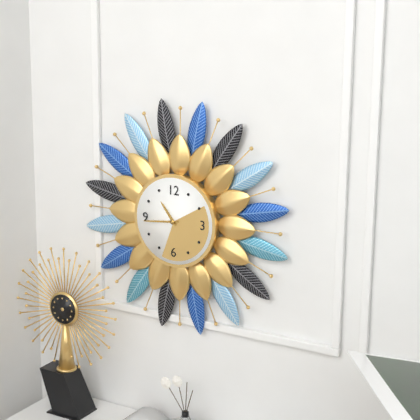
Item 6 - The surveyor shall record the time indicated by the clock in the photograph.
10:44
